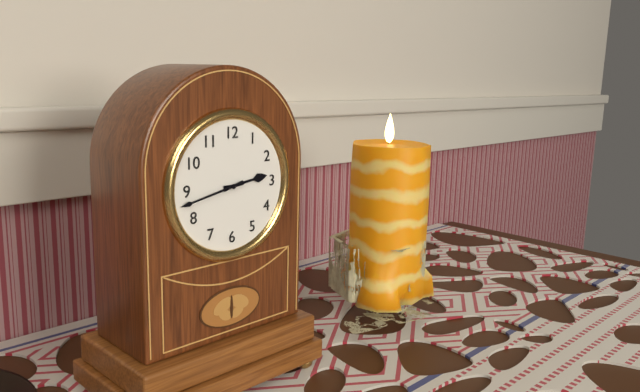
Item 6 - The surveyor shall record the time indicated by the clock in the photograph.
2:43
